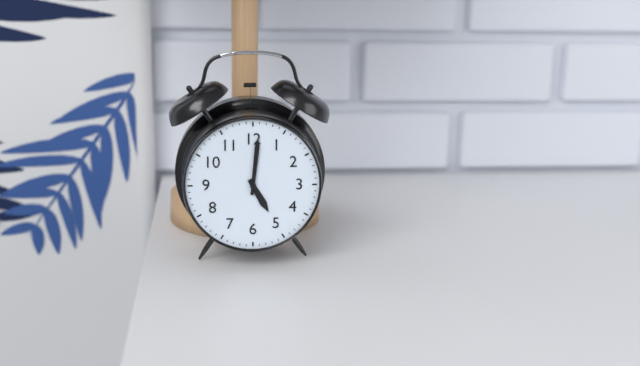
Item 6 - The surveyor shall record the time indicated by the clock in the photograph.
5:01
